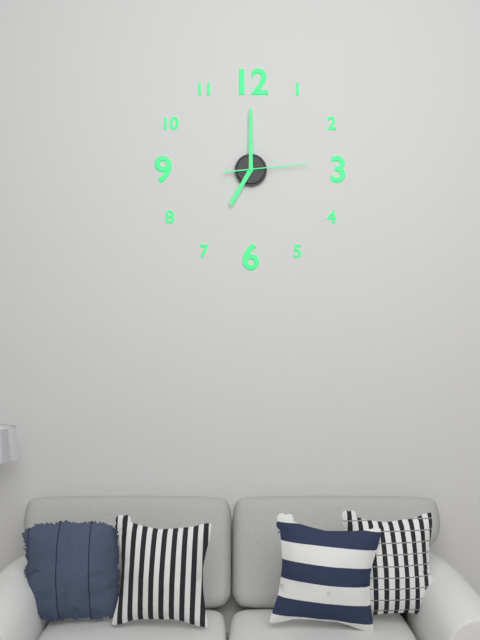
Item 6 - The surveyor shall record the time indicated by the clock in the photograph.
7:00:14
